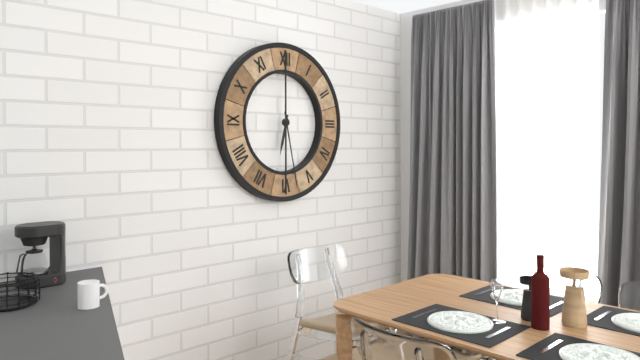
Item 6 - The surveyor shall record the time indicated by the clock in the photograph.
6:28
